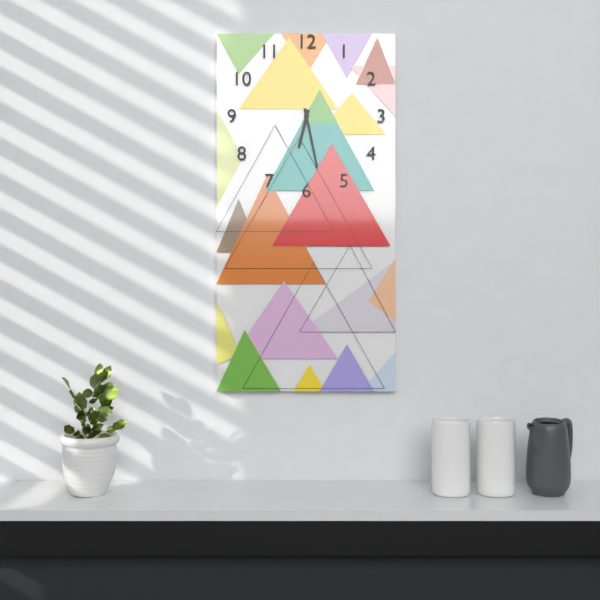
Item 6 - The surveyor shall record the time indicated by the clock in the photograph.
6:28
